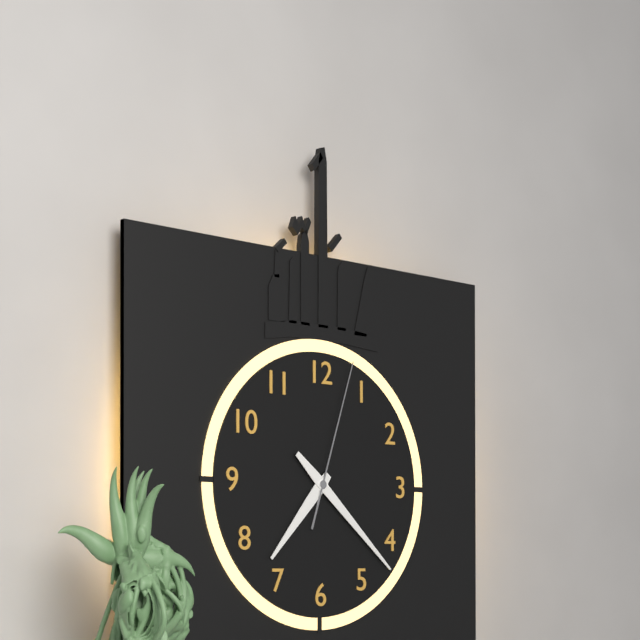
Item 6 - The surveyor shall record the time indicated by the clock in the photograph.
7:22:03
